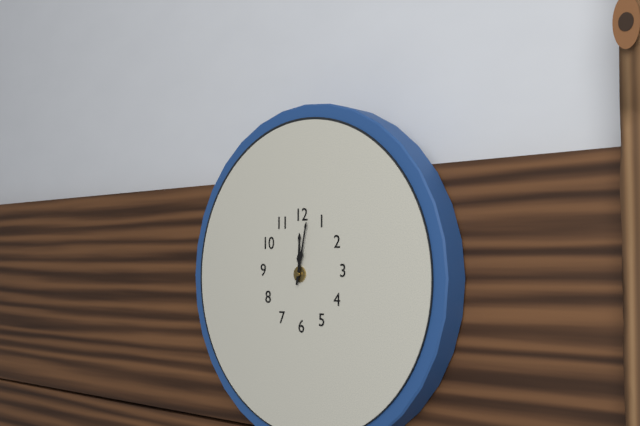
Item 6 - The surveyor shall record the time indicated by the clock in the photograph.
12:02
